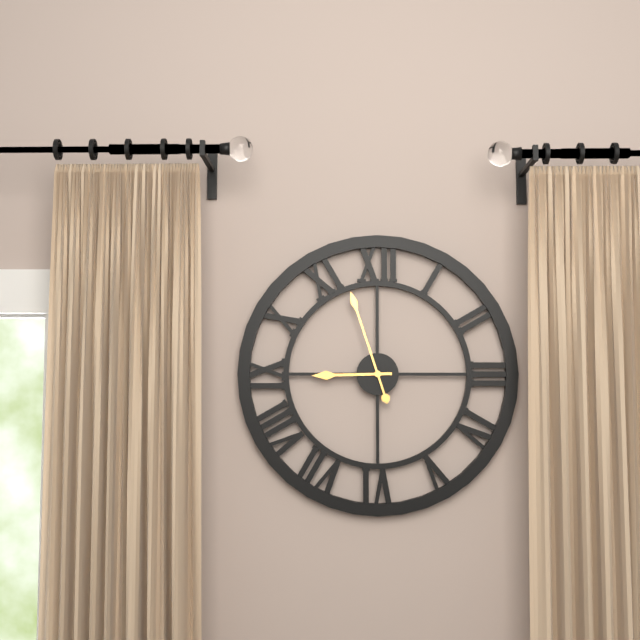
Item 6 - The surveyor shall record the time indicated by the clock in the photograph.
8:57
